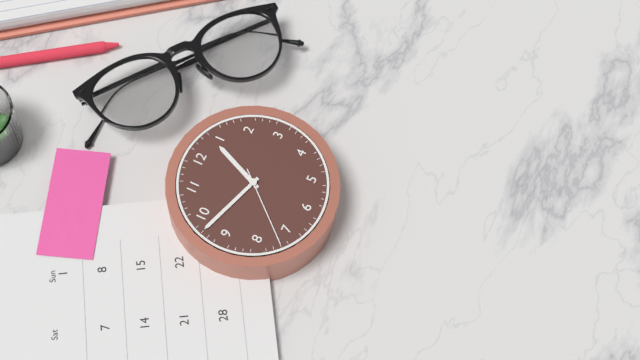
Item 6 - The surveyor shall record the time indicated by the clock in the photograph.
12:48:37
